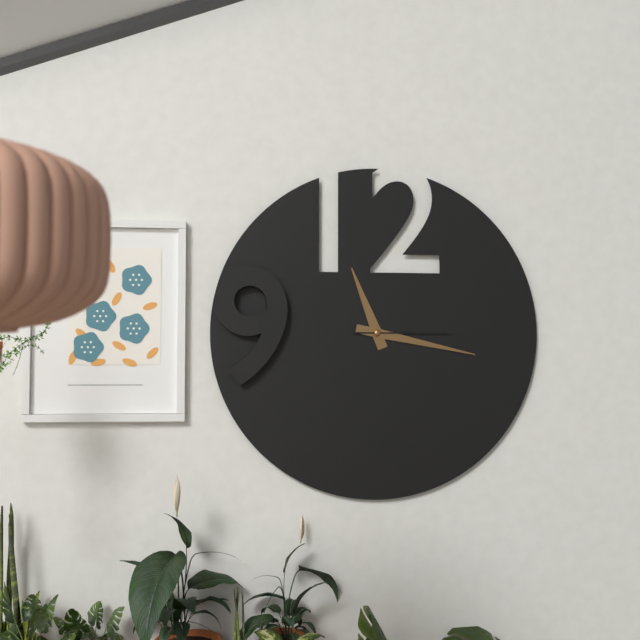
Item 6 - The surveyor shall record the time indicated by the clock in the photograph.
11:17:15
